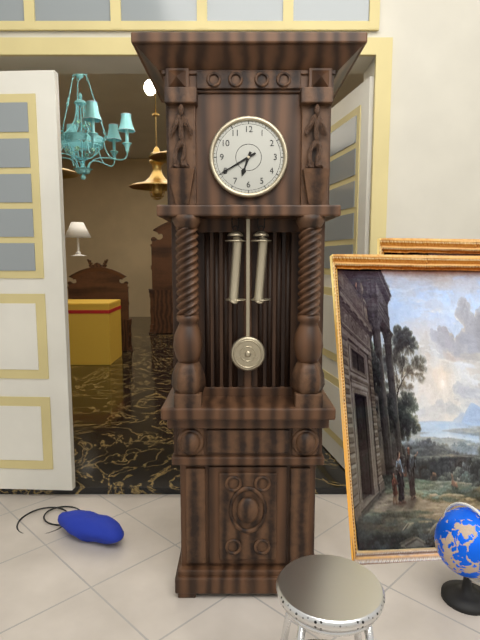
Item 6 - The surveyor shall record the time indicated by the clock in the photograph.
6:40
